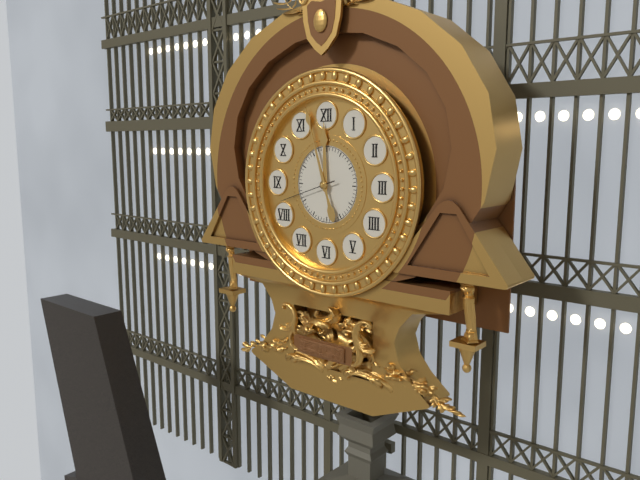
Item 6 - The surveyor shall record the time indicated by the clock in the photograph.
11:57:42
